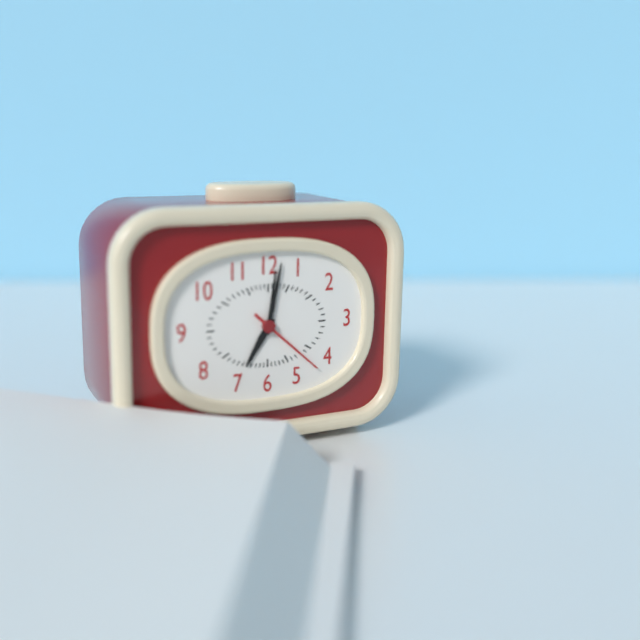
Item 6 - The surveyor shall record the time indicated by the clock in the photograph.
7:02:22
